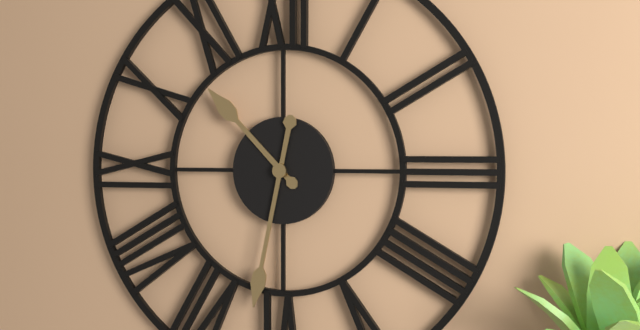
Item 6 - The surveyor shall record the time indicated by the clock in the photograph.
10:32
